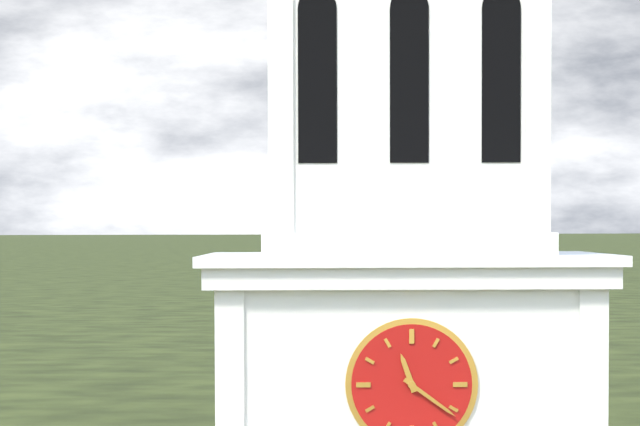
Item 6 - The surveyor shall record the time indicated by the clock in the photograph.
11:21
